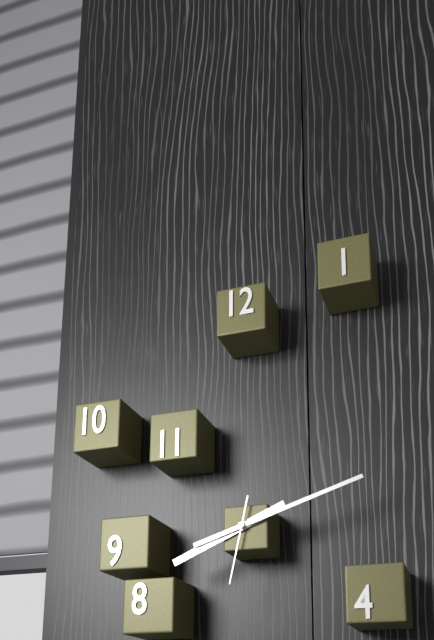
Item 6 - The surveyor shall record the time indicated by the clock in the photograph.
8:12:32
